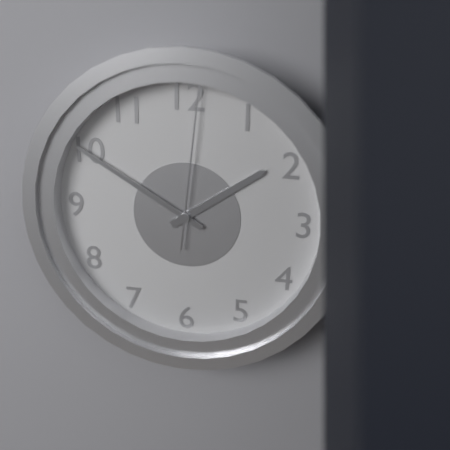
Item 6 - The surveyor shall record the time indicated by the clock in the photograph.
1:50:01
